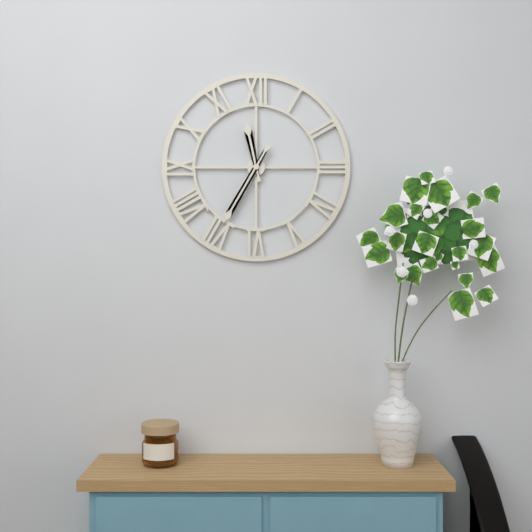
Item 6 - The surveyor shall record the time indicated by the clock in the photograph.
11:35
